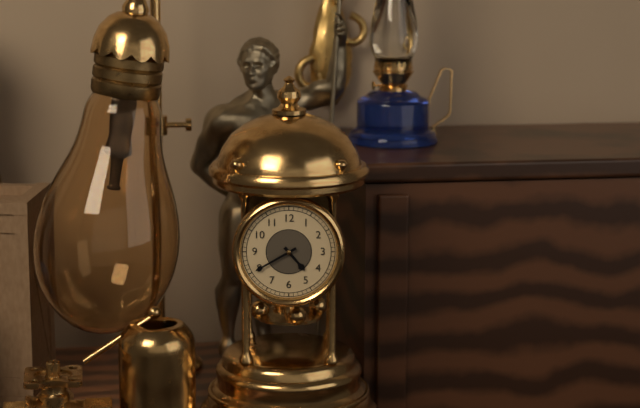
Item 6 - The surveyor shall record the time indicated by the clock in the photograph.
4:40
